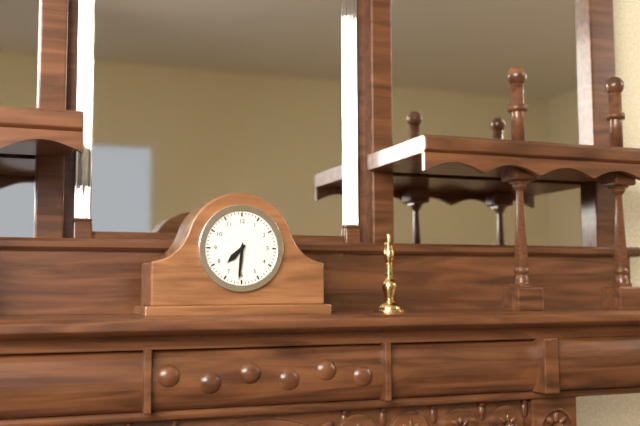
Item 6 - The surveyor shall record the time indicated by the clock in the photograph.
7:31
